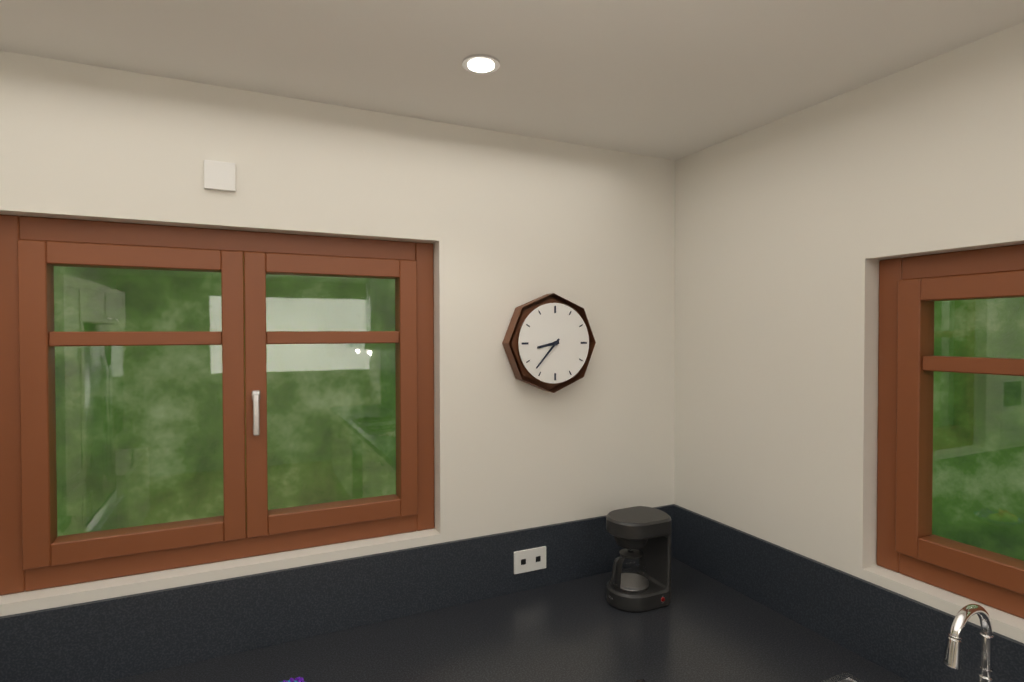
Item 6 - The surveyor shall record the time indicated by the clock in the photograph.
8:37
